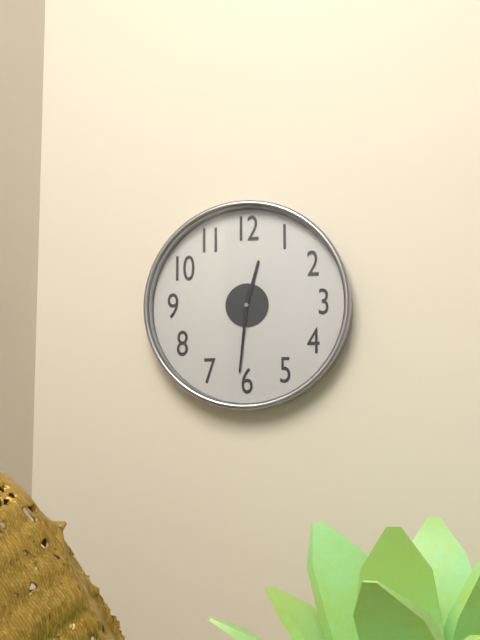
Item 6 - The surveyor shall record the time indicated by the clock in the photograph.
12:31
